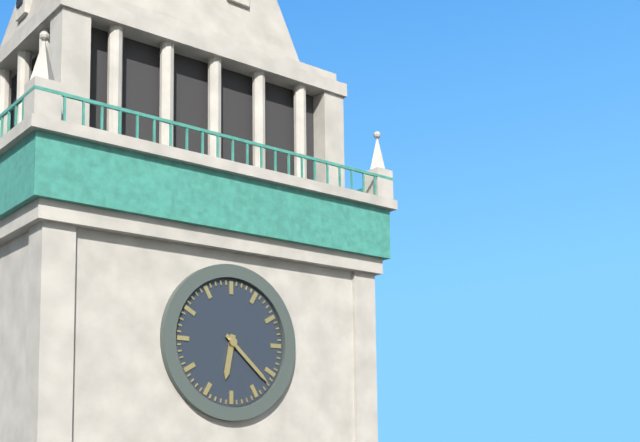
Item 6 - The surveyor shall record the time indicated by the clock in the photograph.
6:22
